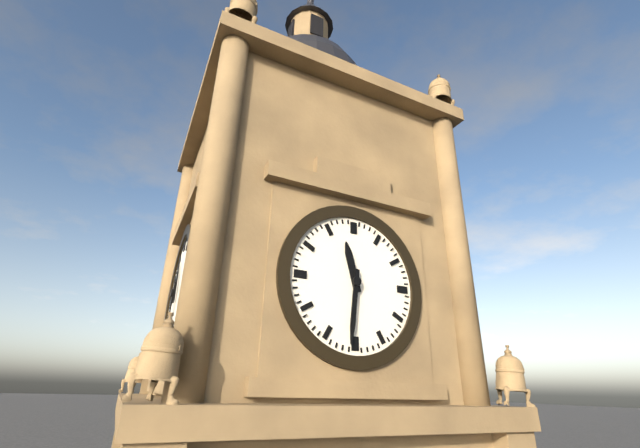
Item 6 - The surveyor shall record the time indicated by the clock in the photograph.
11:31
